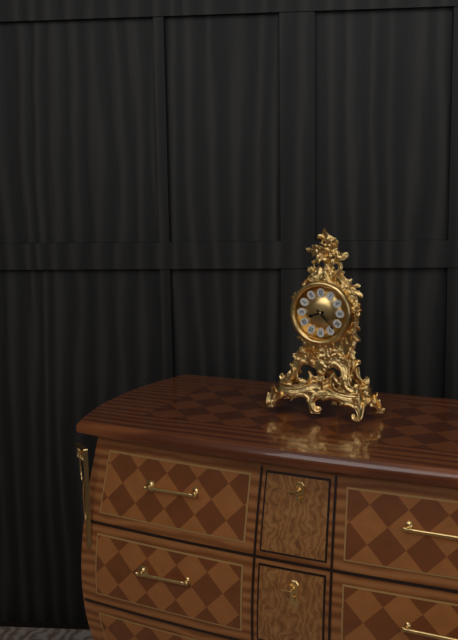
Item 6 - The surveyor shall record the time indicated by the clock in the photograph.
8:23
